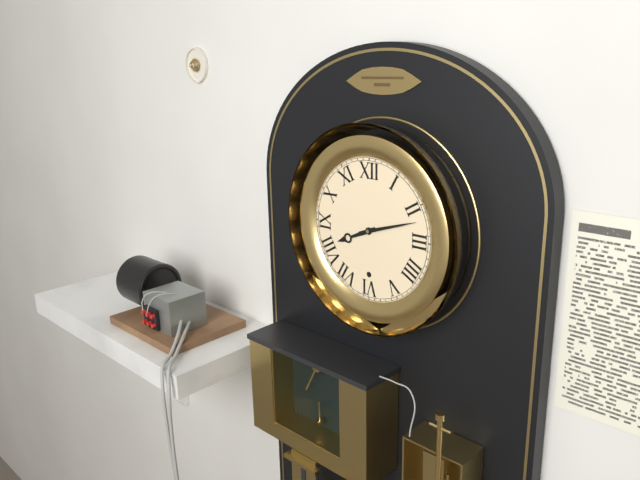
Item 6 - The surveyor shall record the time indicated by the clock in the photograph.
8:12
